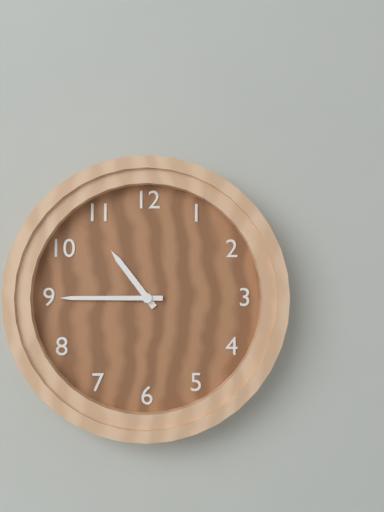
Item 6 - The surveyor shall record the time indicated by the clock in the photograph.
10:45
